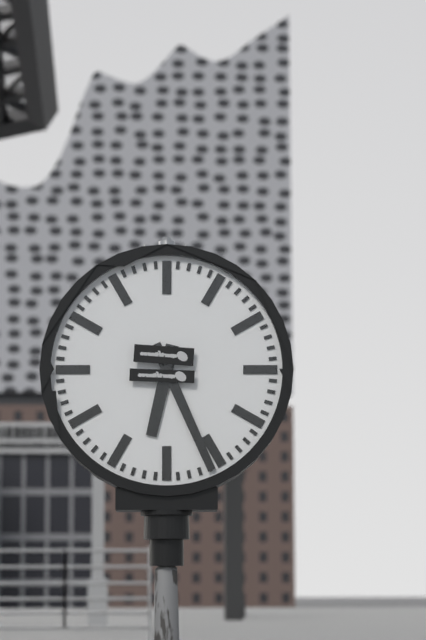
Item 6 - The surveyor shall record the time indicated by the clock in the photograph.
6:26
